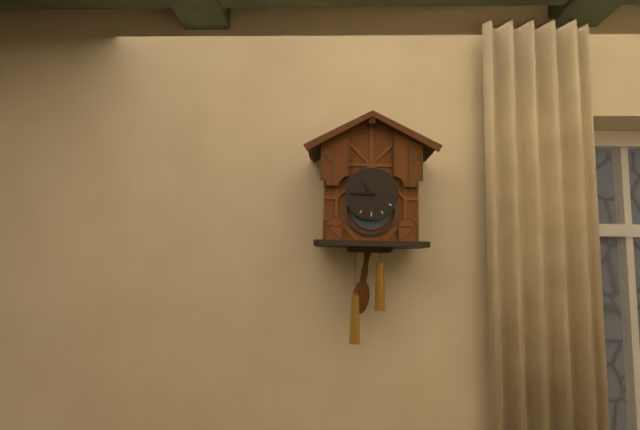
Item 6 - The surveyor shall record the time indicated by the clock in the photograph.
10:45
